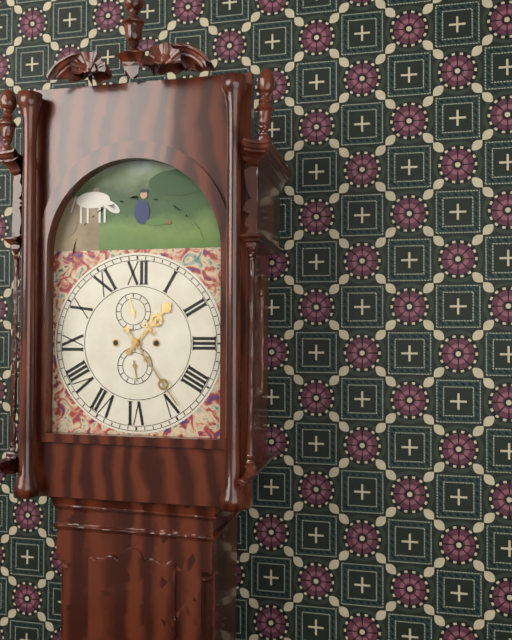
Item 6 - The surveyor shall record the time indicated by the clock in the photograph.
1:24
